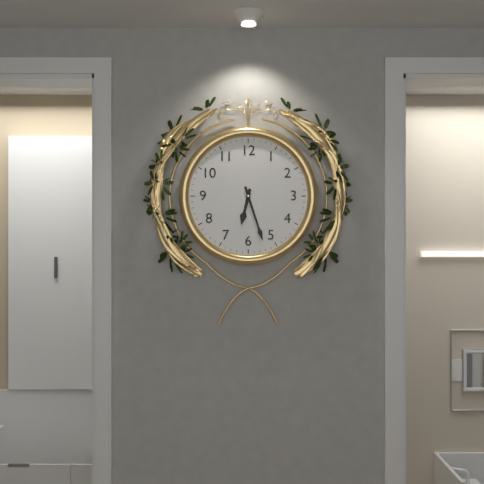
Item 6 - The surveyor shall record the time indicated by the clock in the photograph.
6:27
